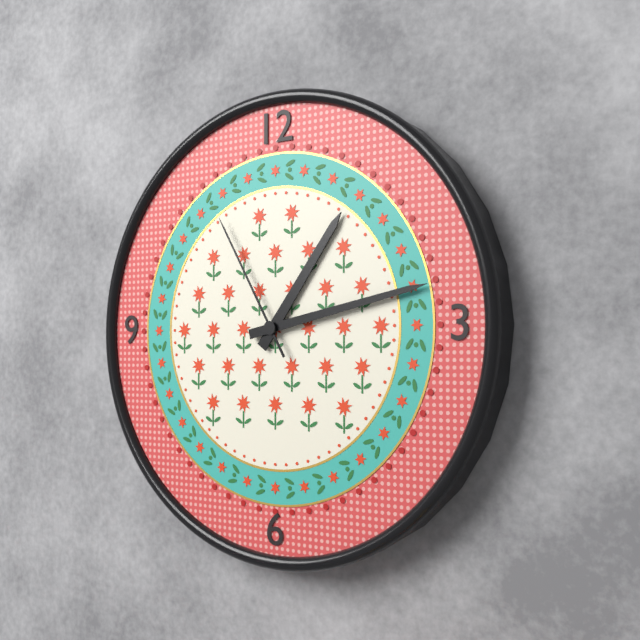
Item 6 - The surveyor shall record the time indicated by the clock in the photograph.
1:13:55
